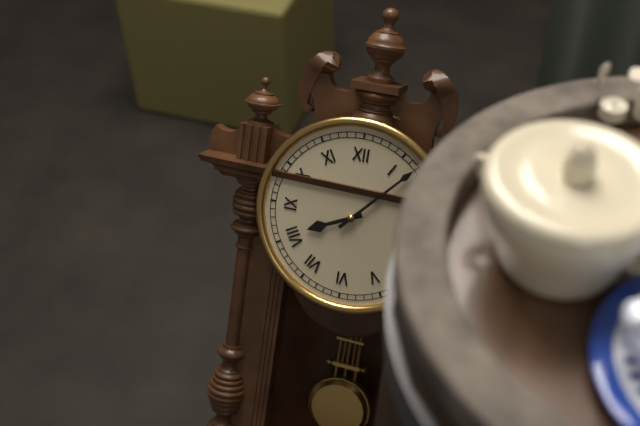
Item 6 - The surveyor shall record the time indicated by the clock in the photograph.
8:07
